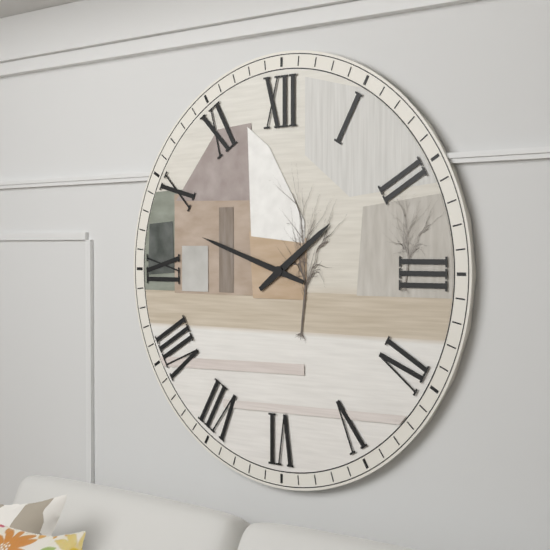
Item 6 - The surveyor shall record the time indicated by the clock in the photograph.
1:48
